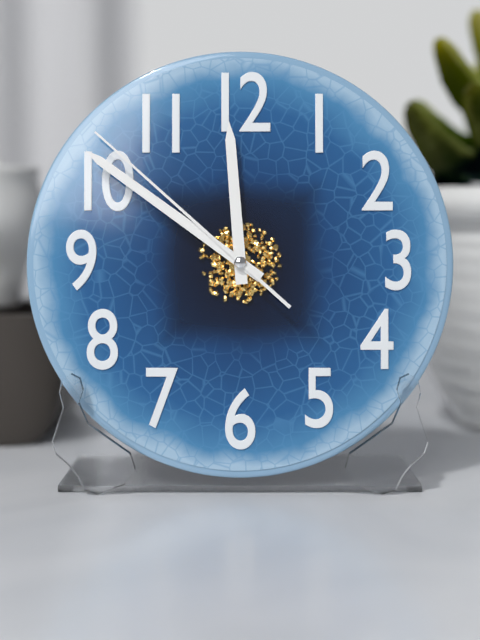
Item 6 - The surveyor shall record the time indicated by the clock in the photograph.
11:51:52
